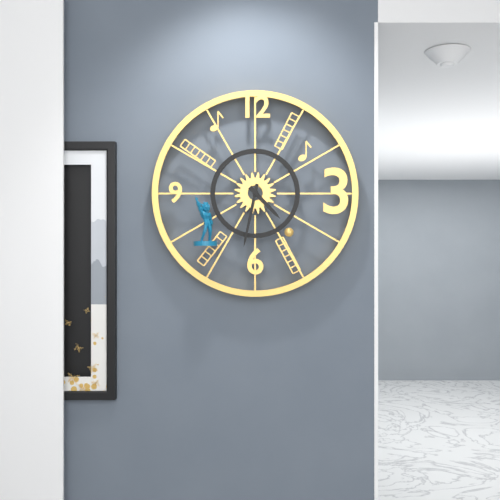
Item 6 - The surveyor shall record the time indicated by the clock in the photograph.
4:32
